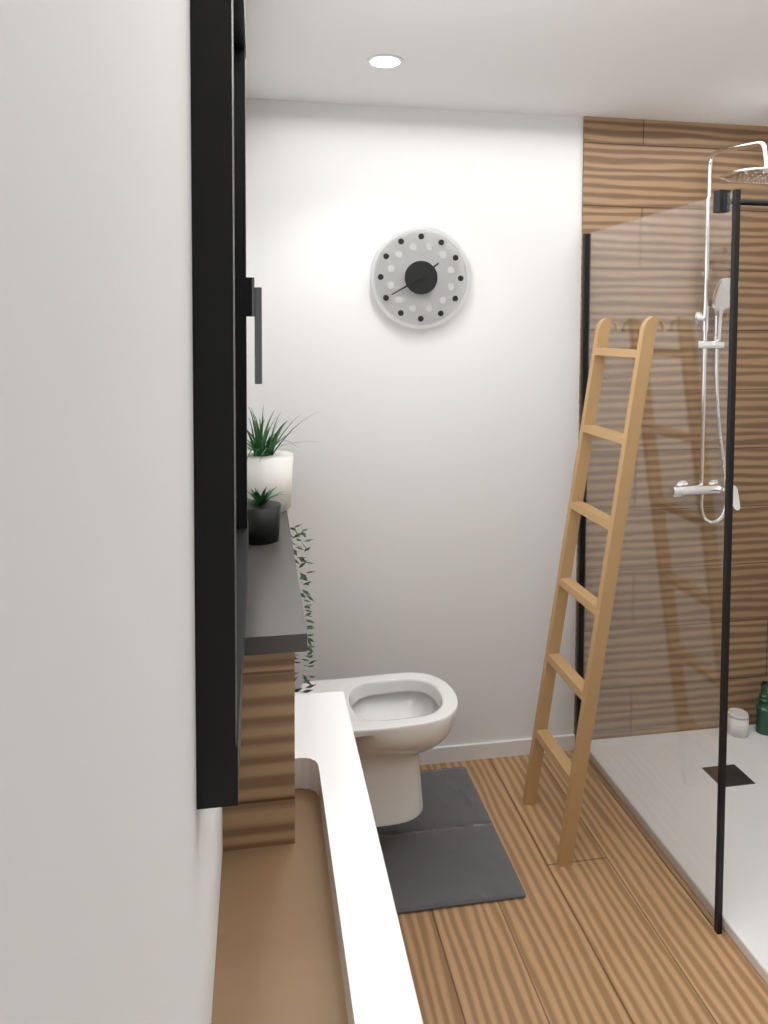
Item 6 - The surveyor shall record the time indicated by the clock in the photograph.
1:40
